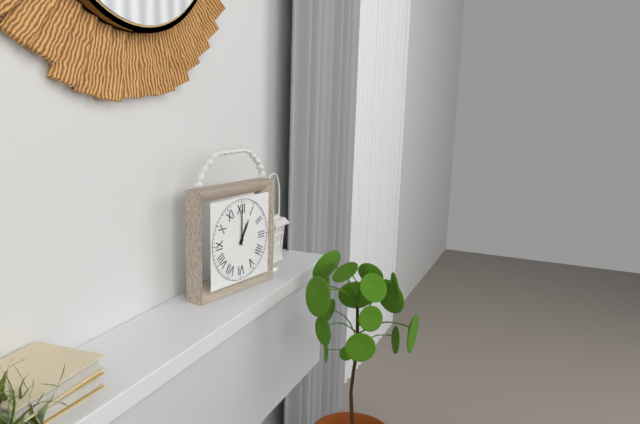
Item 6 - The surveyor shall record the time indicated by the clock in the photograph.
1:00
